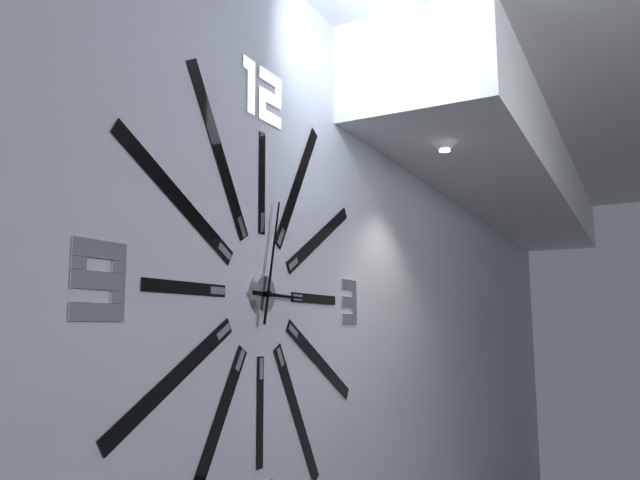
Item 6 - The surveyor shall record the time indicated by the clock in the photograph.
3:02
